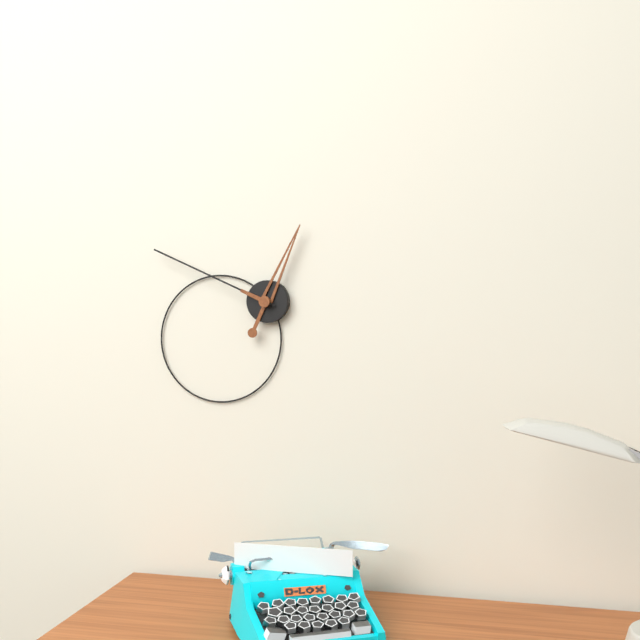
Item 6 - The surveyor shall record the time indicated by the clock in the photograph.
12:49
